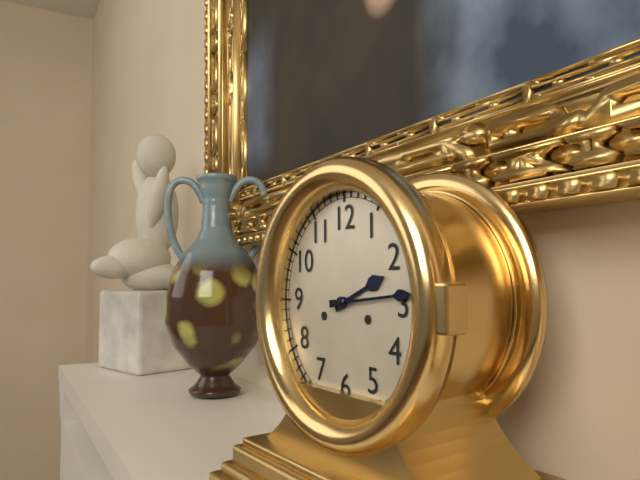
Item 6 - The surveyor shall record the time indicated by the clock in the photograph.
2:14
